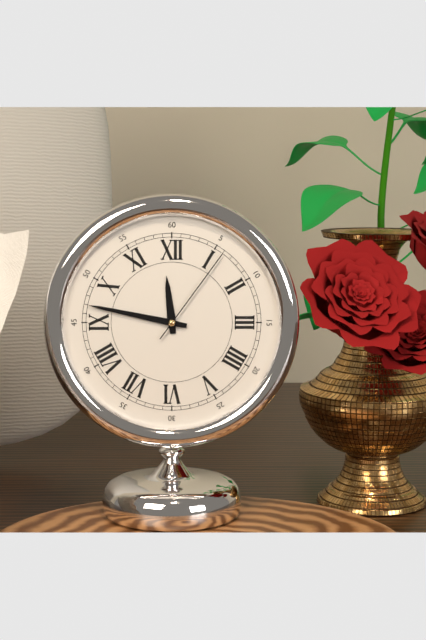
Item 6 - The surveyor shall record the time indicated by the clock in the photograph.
11:47:06
